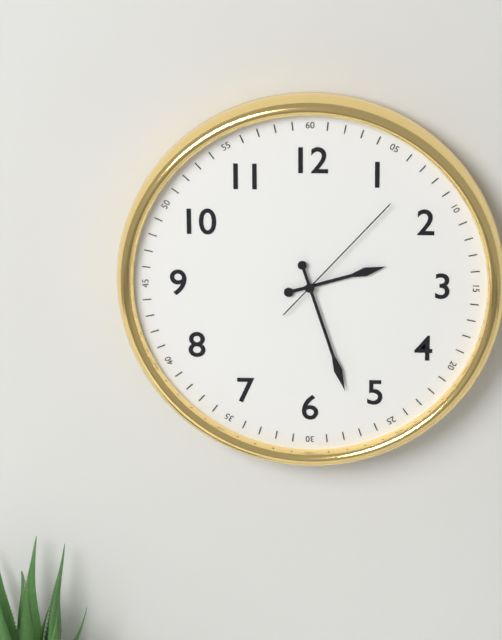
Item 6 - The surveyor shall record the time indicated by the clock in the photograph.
2:27:07
